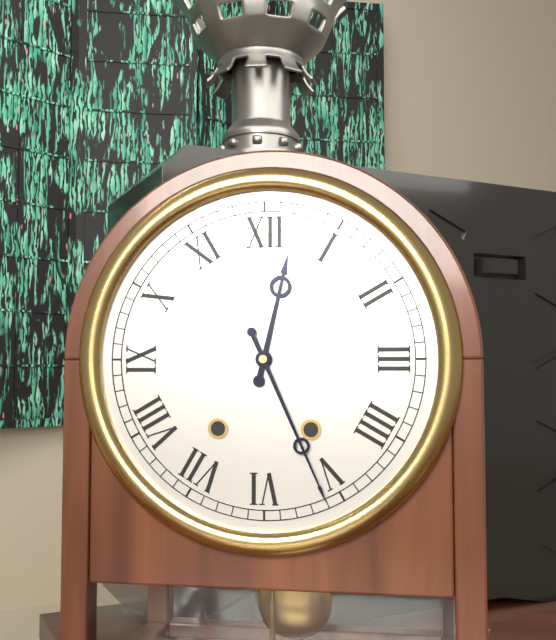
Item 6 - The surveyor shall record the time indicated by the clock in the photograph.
12:26
